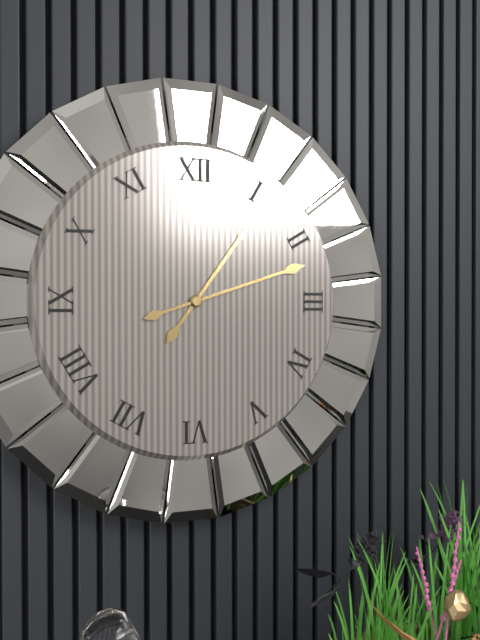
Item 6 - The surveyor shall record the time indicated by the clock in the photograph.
1:12
